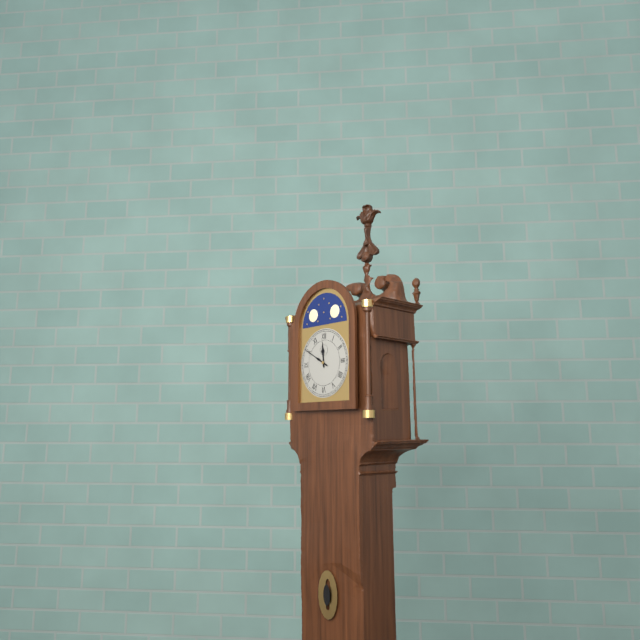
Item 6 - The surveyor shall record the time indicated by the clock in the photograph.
11:50
